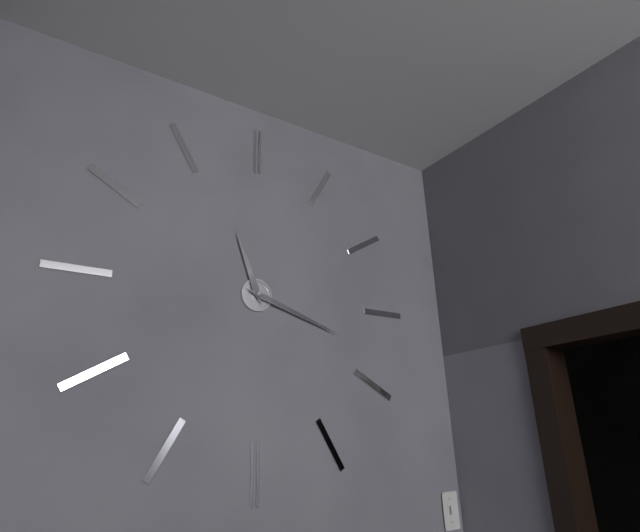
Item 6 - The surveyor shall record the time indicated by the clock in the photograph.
11:18
